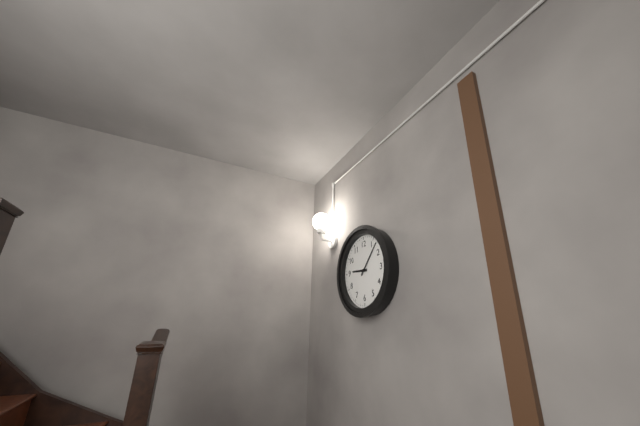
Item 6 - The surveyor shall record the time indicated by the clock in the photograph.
9:07
